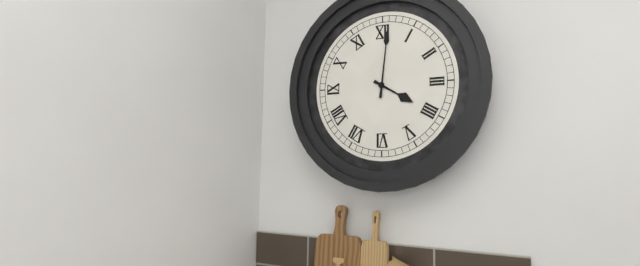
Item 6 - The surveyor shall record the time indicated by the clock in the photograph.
4:01
